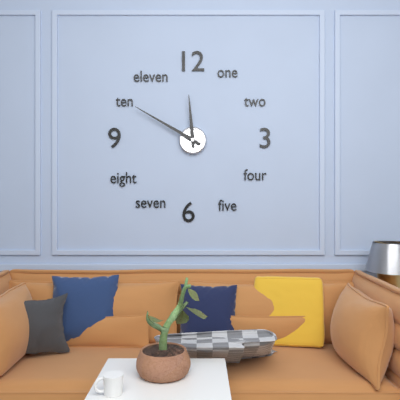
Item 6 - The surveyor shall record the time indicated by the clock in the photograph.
11:50
